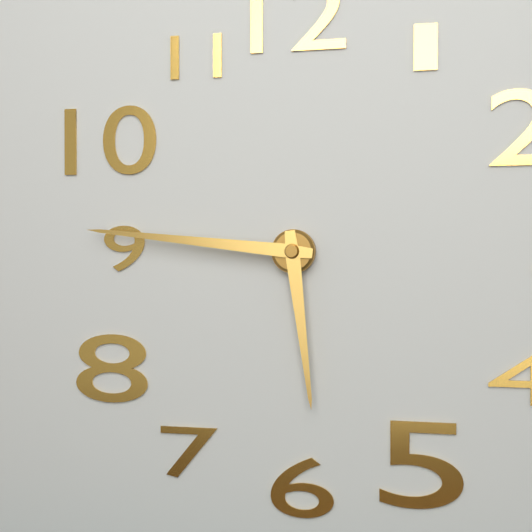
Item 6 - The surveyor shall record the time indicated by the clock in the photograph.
5:46
